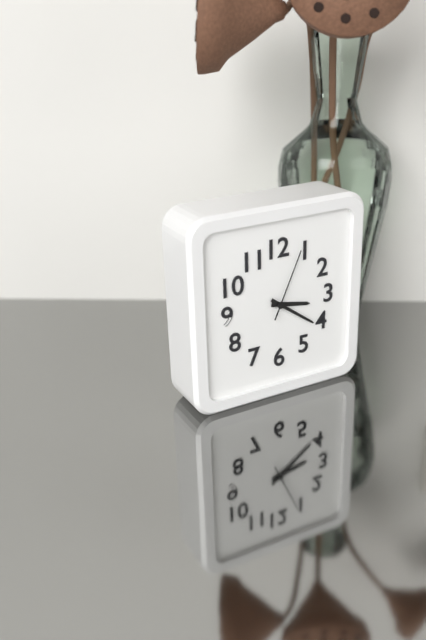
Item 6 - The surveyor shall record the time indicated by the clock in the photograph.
3:21:04
